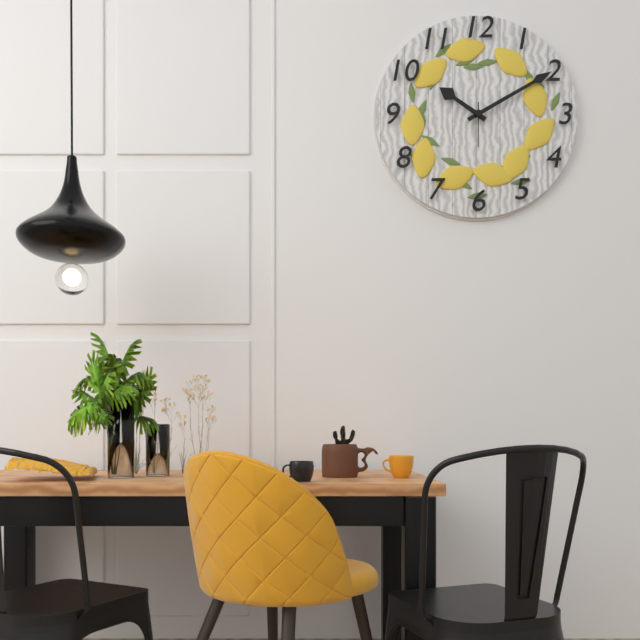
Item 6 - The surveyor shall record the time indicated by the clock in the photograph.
10:10
